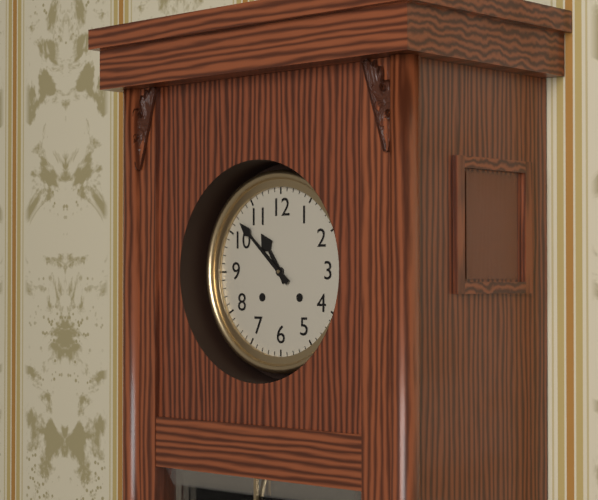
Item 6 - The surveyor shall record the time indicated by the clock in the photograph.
10:52
